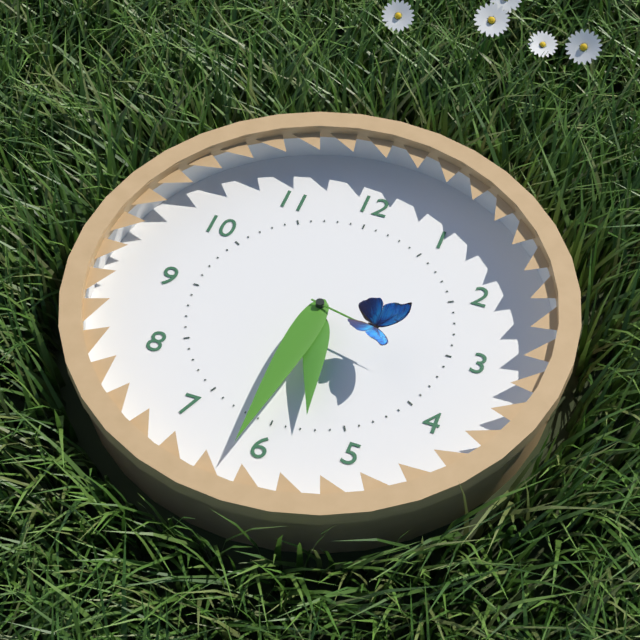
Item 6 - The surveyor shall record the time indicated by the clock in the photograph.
5:31:17
